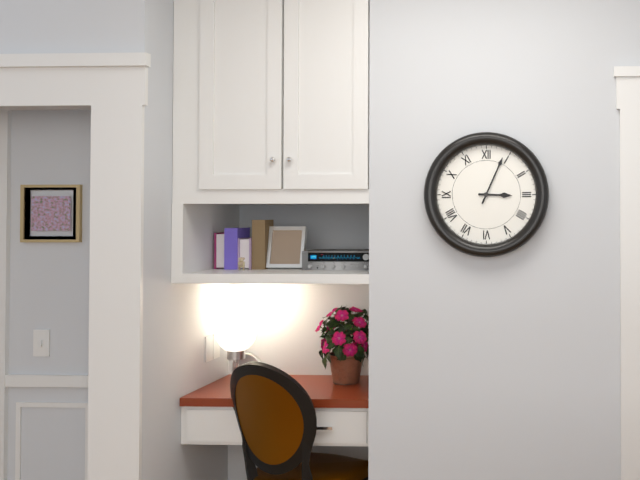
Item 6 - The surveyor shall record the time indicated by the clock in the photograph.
3:04
